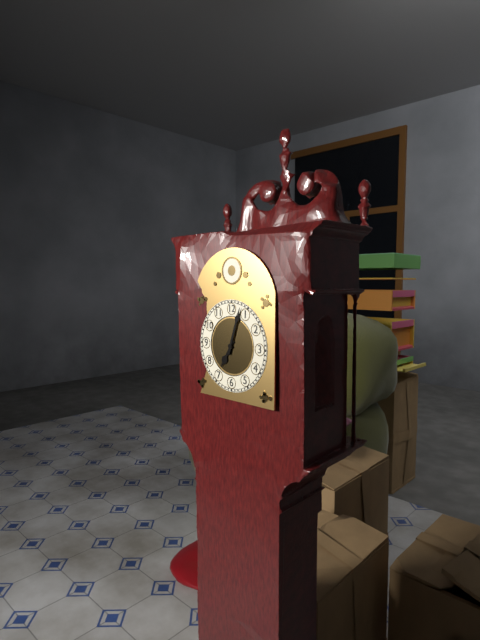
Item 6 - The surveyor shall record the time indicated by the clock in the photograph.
7:03
